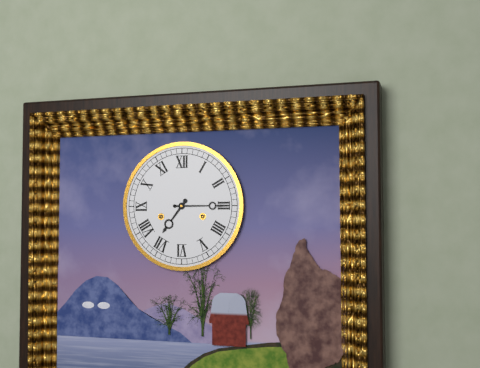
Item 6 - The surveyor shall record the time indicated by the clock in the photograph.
7:15
